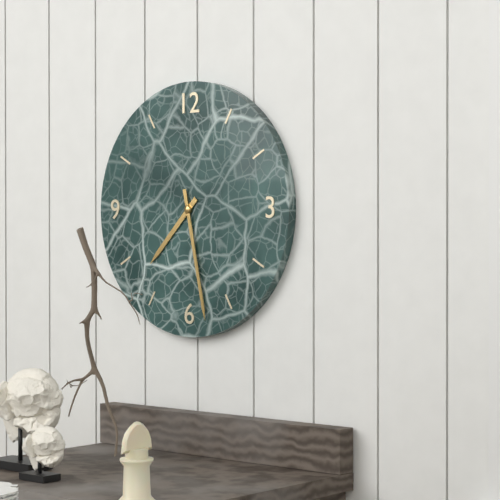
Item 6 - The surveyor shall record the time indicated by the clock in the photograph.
7:28
